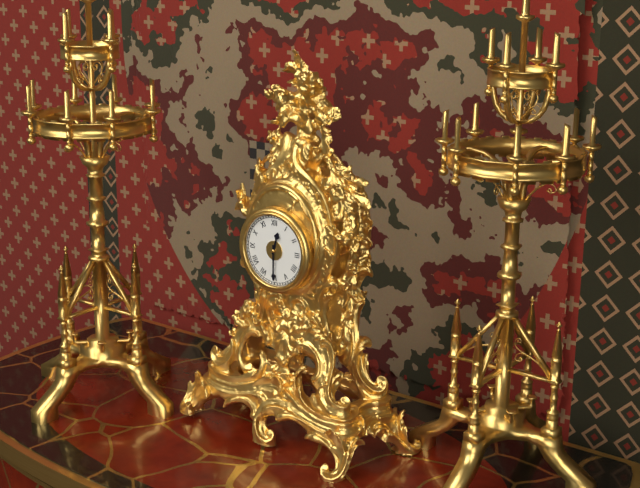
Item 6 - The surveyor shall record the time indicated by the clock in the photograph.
12:30
